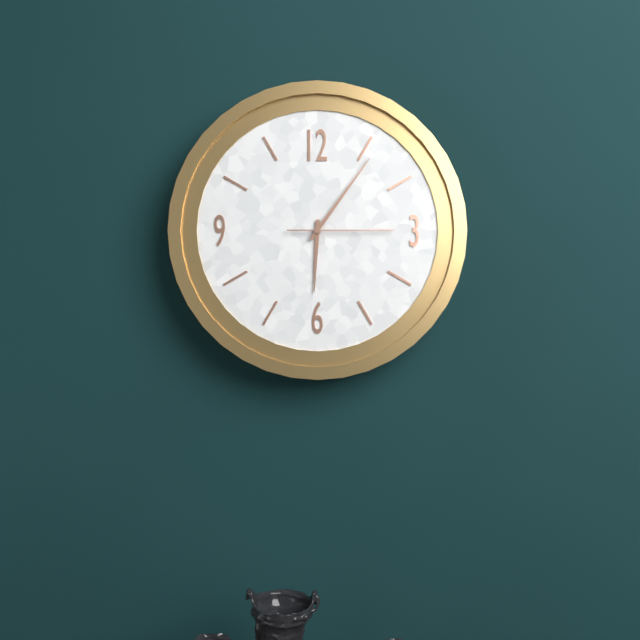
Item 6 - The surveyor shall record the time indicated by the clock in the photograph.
6:06:15
